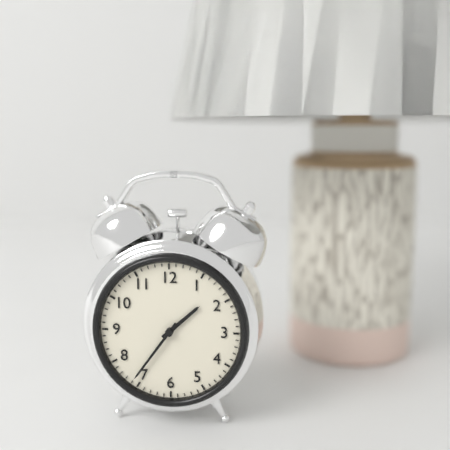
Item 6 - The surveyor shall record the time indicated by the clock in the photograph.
1:36
